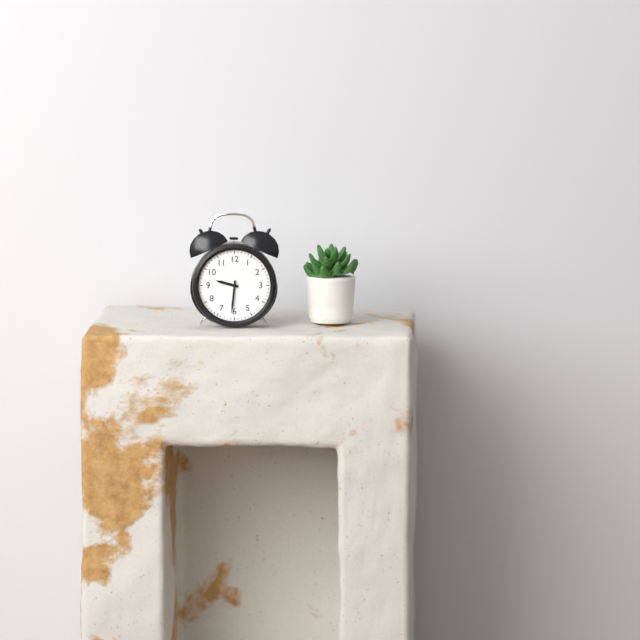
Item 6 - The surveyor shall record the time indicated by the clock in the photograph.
9:31
